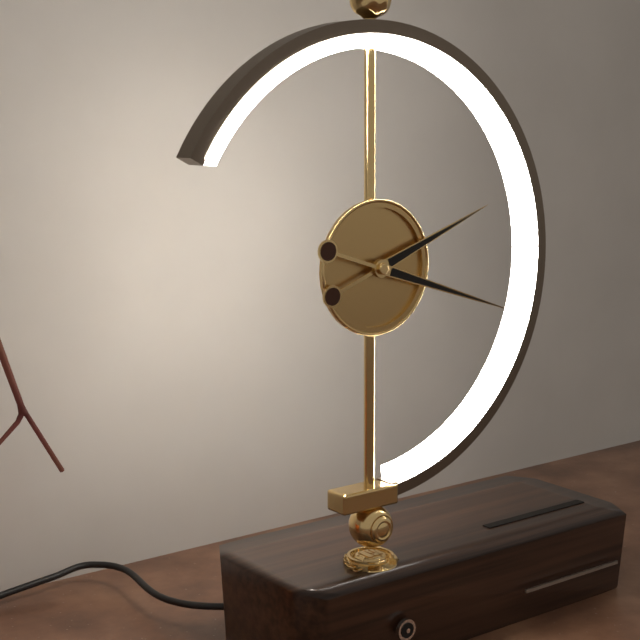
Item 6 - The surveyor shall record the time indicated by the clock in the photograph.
2:18
